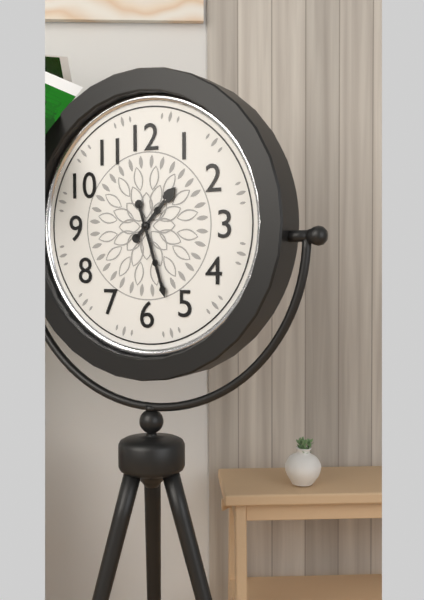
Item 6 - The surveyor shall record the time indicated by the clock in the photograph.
1:27
